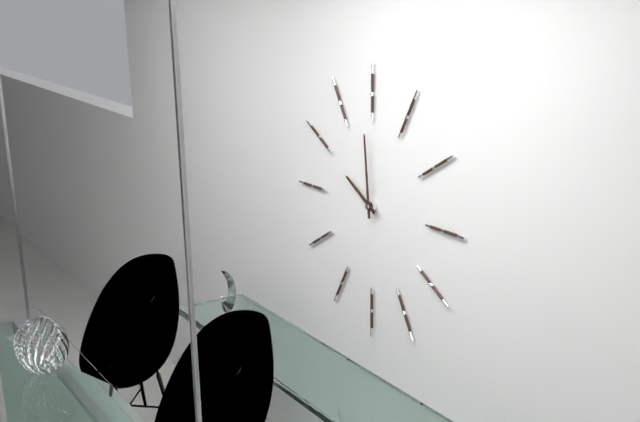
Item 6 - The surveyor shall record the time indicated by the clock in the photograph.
9:59
